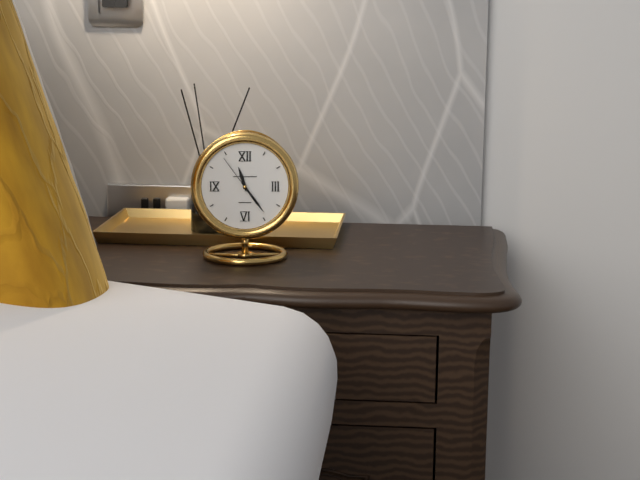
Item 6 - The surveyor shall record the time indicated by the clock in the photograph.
11:24
